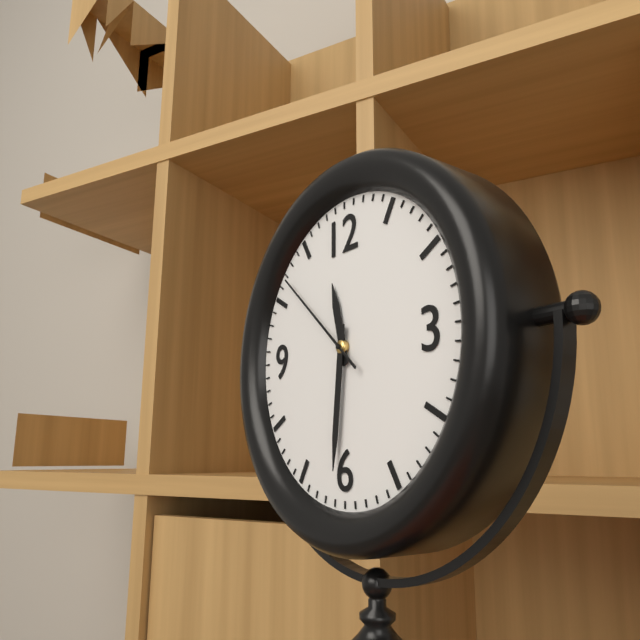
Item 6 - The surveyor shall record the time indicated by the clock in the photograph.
11:31:52
